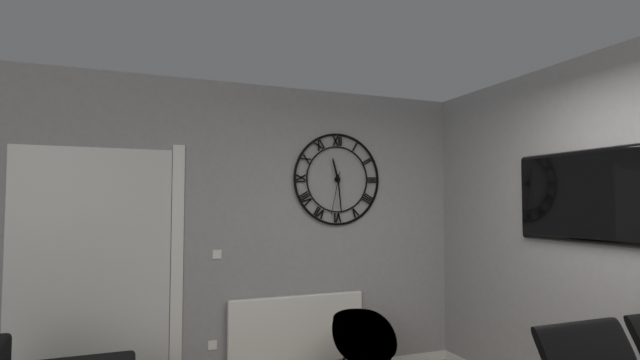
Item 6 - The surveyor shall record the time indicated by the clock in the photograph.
11:29:32
